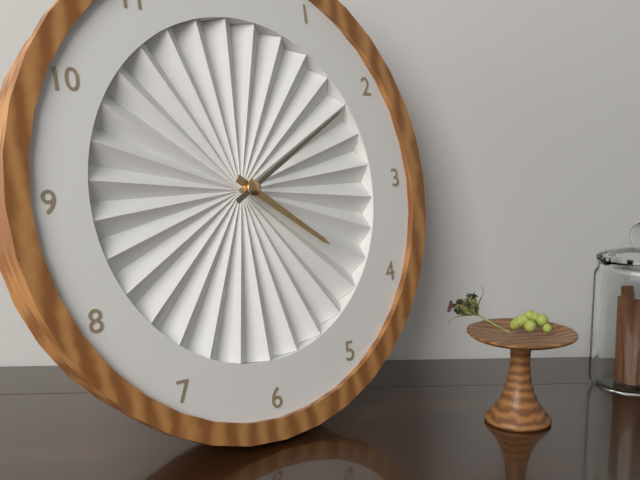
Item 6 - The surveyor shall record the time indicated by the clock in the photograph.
4:10
